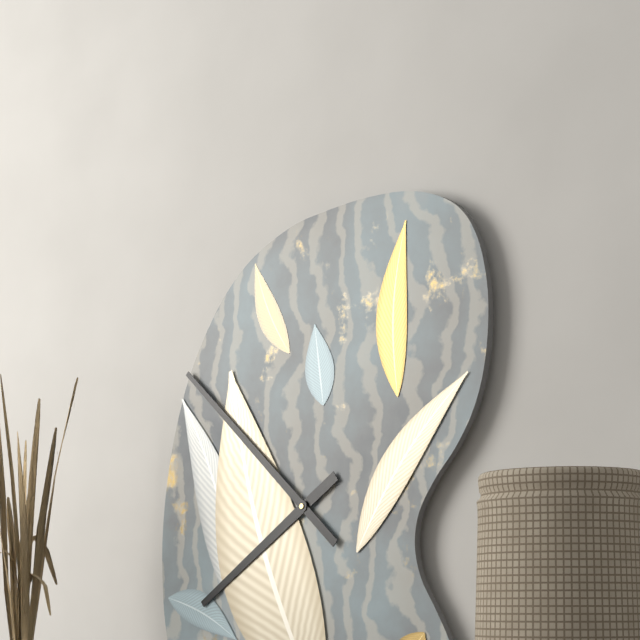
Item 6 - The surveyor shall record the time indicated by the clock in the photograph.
7:52
